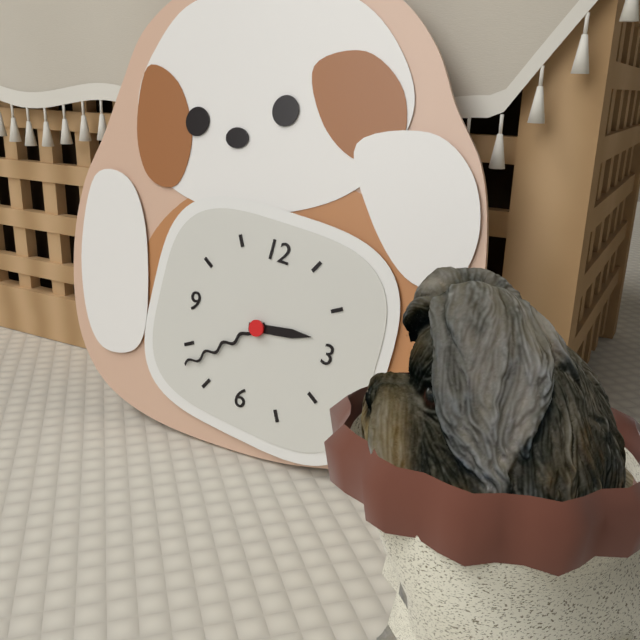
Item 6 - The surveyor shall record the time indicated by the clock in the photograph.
2:38
